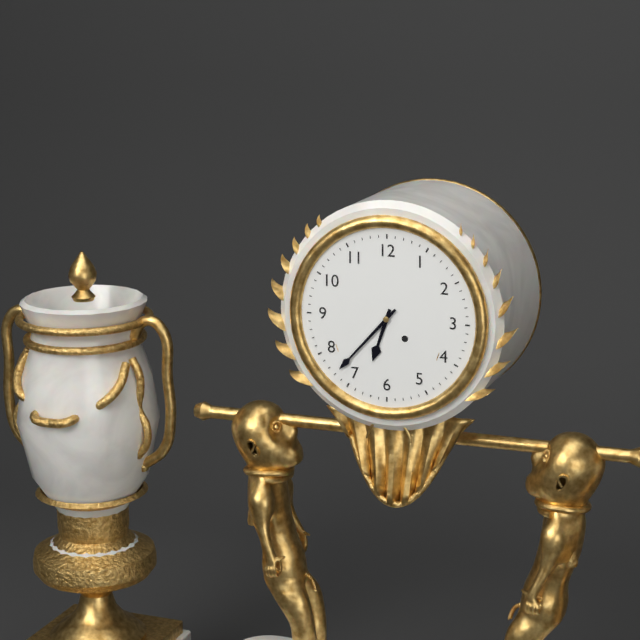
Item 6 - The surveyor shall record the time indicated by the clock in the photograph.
6:37
